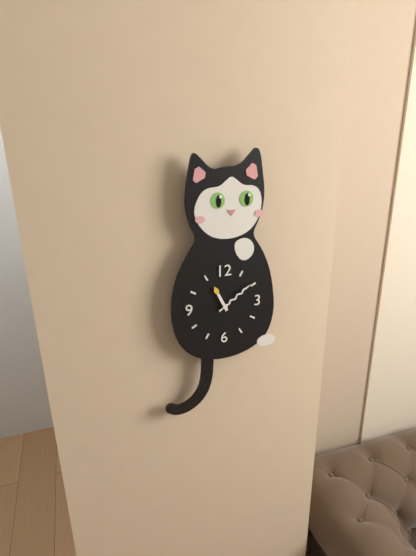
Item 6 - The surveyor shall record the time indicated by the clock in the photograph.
11:09
